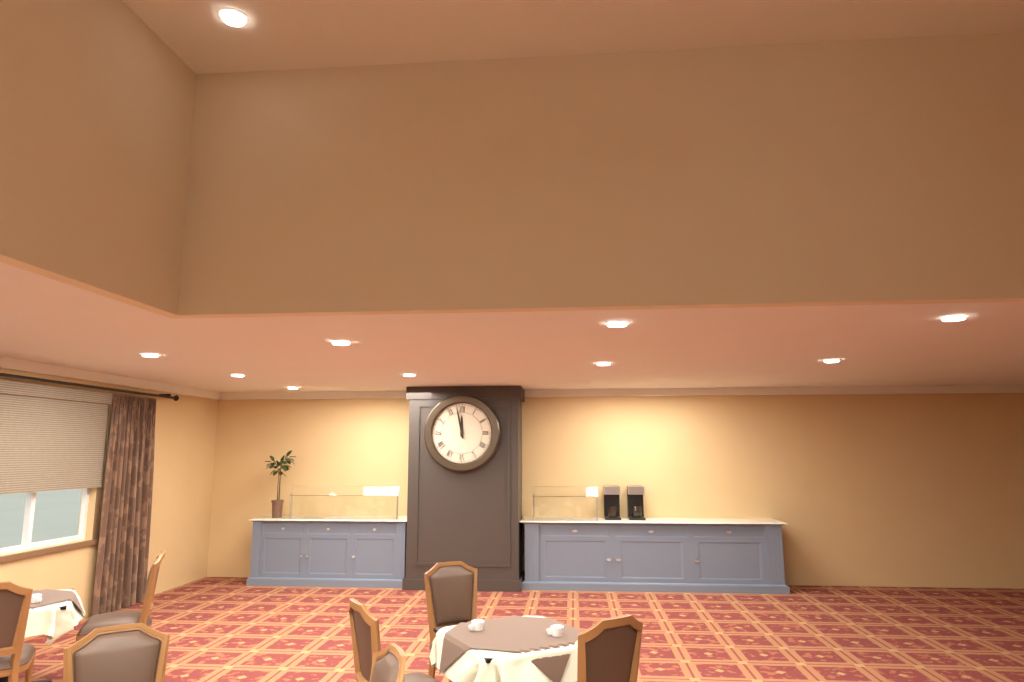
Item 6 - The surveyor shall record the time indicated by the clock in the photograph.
11:58
